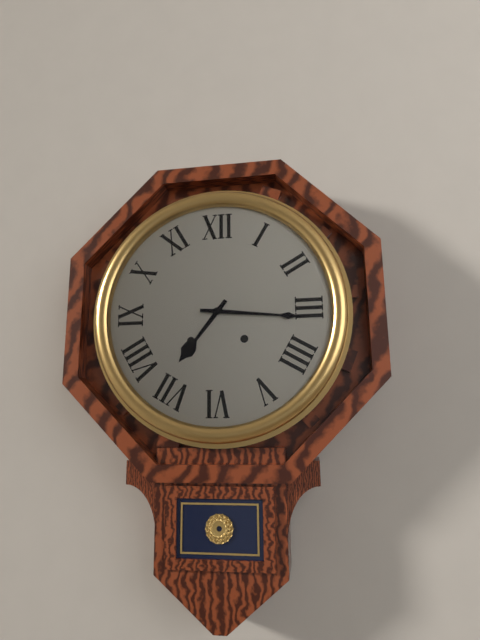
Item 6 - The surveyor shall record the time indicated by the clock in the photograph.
7:16
